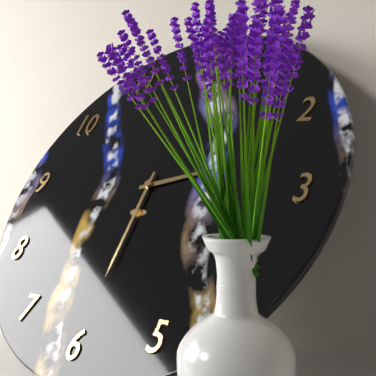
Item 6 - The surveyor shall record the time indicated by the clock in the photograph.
2:30
